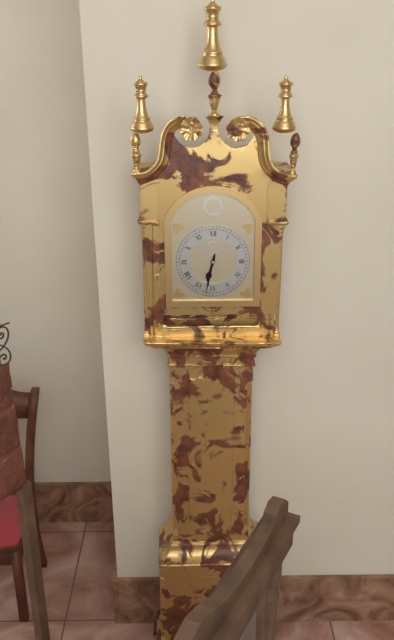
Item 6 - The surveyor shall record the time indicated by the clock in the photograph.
6:32
